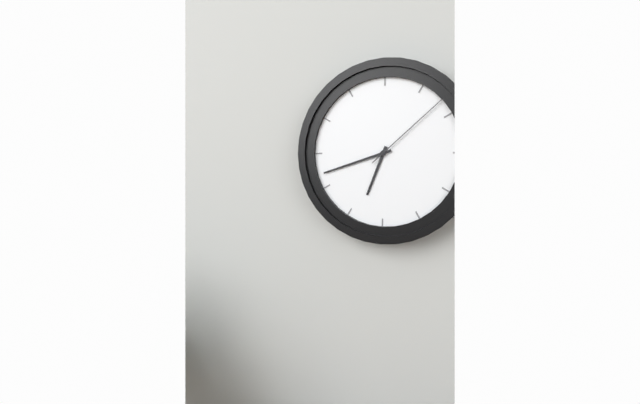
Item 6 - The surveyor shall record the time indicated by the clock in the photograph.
6:42:08
